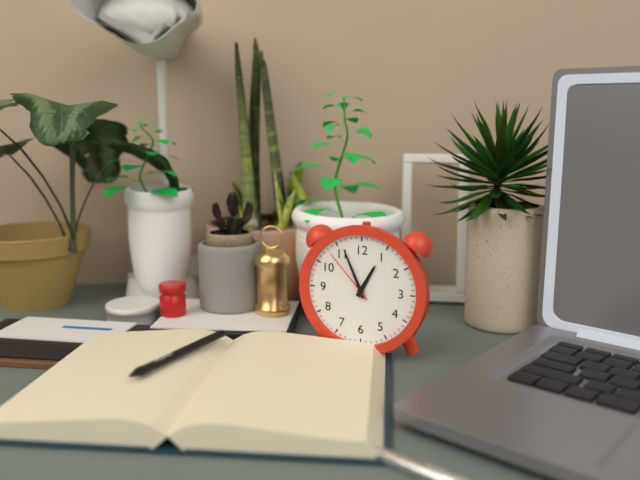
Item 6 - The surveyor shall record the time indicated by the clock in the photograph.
12:56:53
